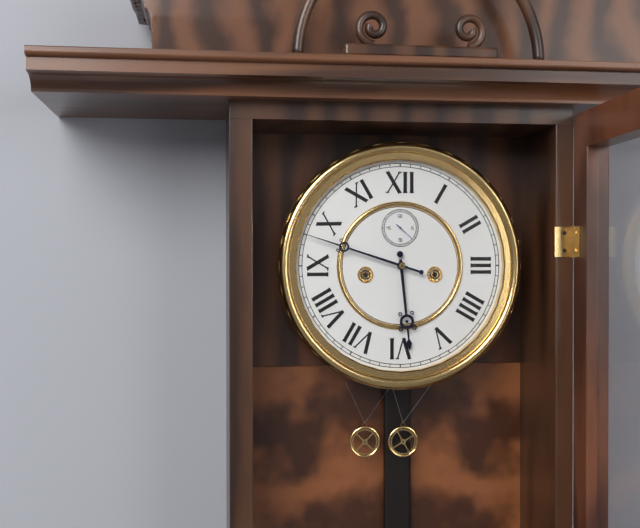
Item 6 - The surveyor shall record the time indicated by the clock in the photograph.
5:48
